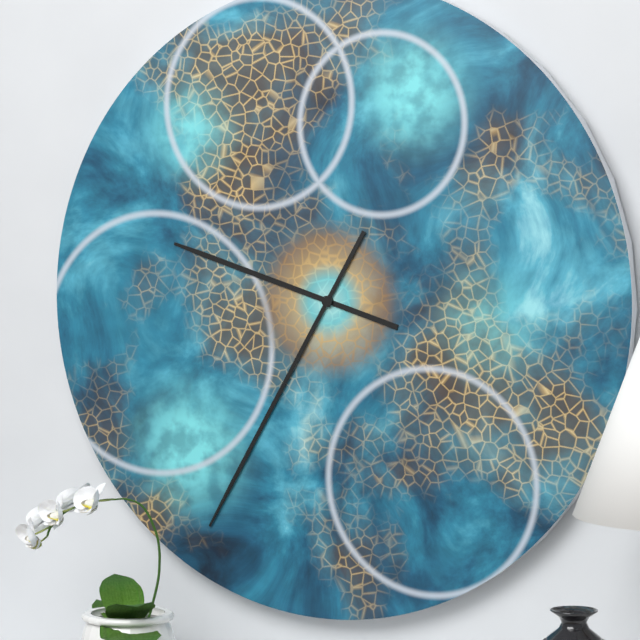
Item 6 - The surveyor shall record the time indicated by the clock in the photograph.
9:35
